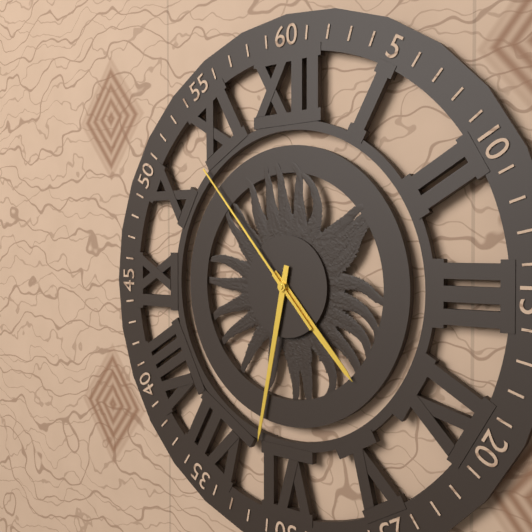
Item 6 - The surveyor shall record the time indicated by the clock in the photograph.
4:32:53
